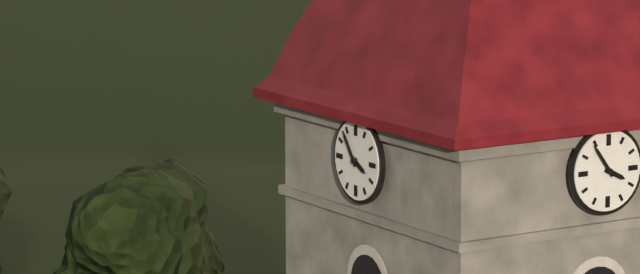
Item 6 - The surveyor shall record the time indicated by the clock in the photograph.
3:54
